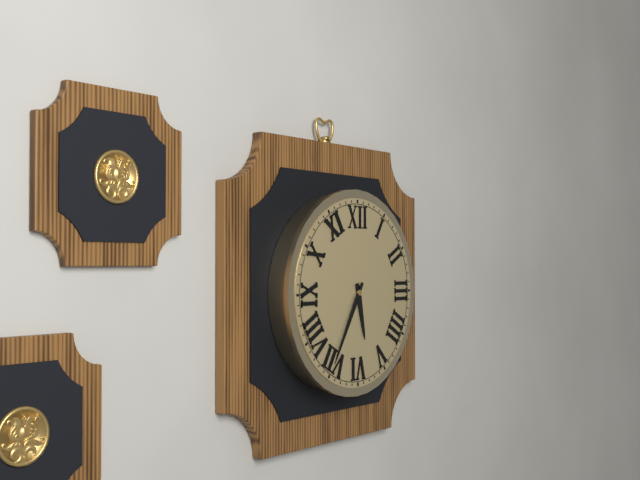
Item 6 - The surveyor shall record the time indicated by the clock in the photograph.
5:35
